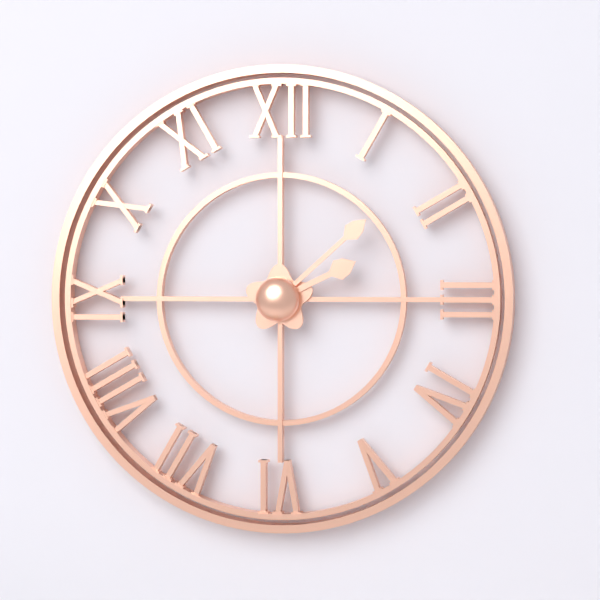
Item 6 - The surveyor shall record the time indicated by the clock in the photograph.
2:08
